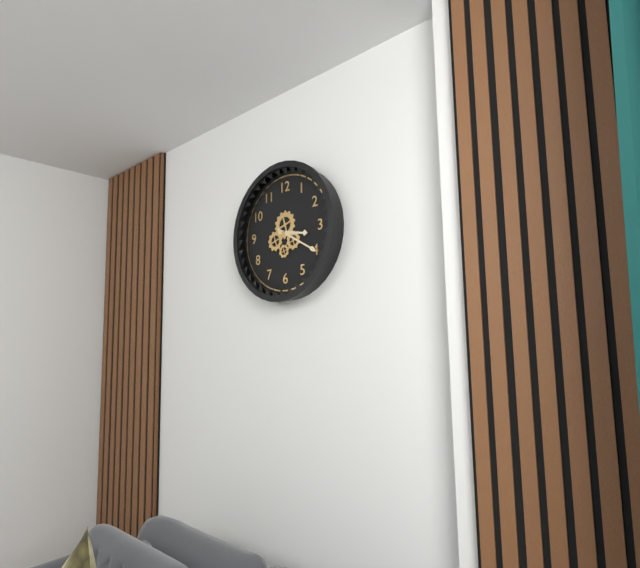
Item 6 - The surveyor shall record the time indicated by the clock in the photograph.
3:20
